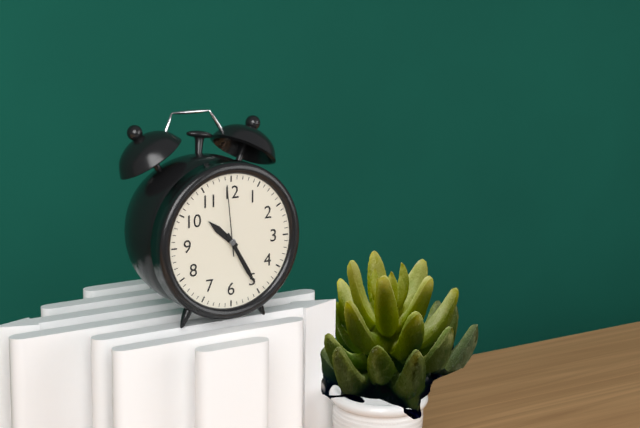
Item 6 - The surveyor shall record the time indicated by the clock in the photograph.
10:25:59
